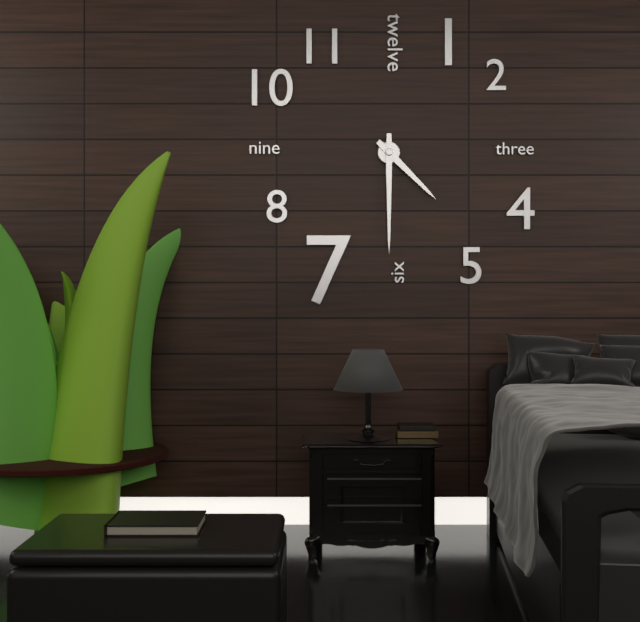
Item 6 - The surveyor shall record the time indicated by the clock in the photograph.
4:30
